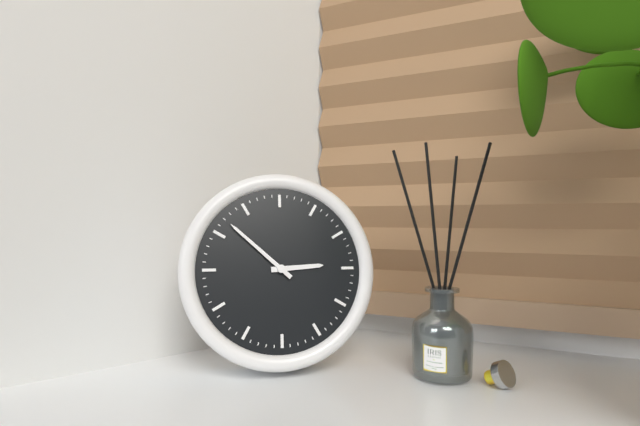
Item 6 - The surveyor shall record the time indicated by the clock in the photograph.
2:52
